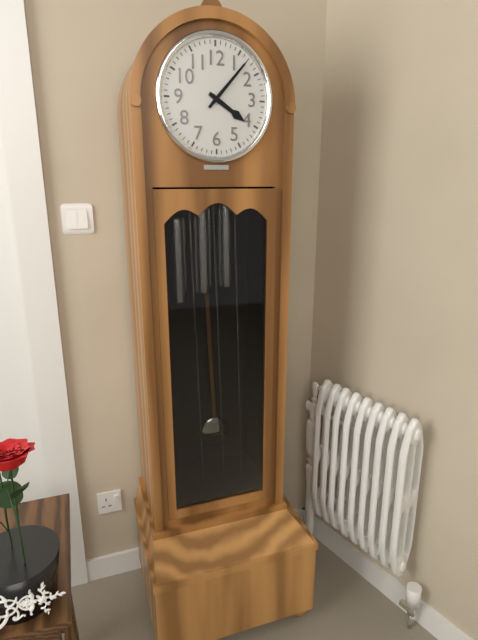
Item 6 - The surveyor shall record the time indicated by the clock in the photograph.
4:07
